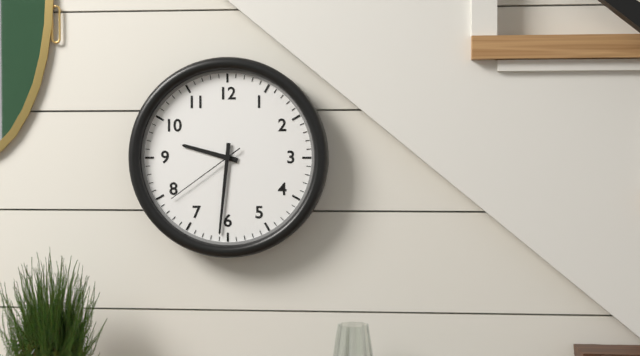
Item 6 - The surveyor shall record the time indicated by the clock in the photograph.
9:31:39
